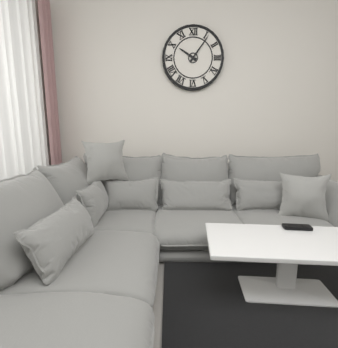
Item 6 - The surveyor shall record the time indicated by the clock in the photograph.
10:06
